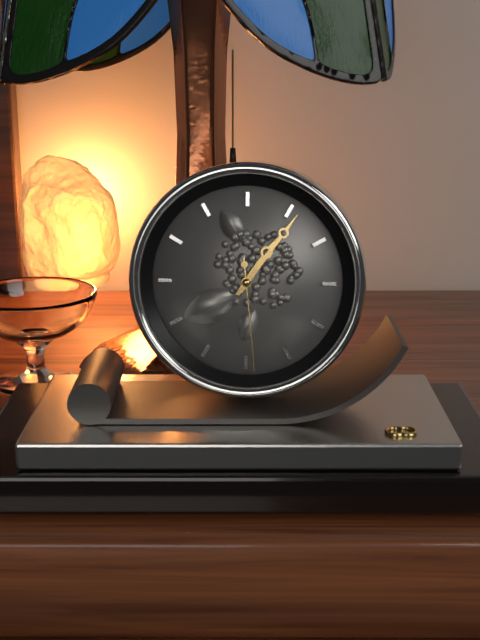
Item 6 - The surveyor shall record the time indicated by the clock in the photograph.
1:06:29
